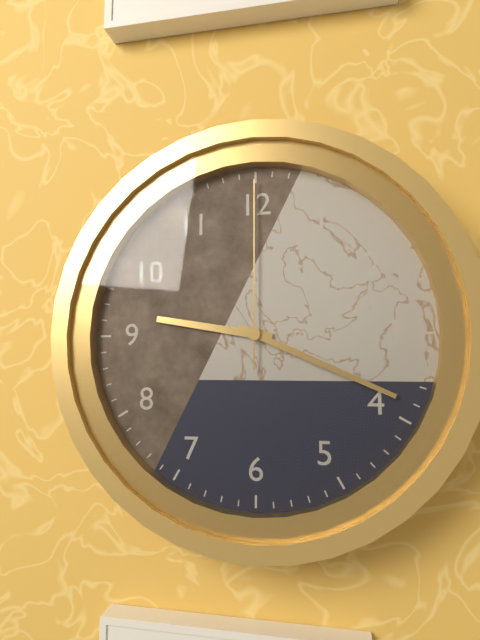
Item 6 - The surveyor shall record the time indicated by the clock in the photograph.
9:19:00
